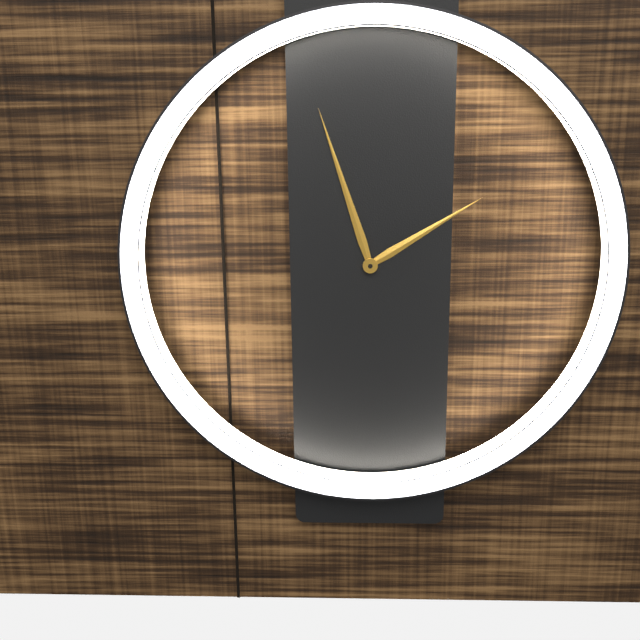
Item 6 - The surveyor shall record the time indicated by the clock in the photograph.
1:57
